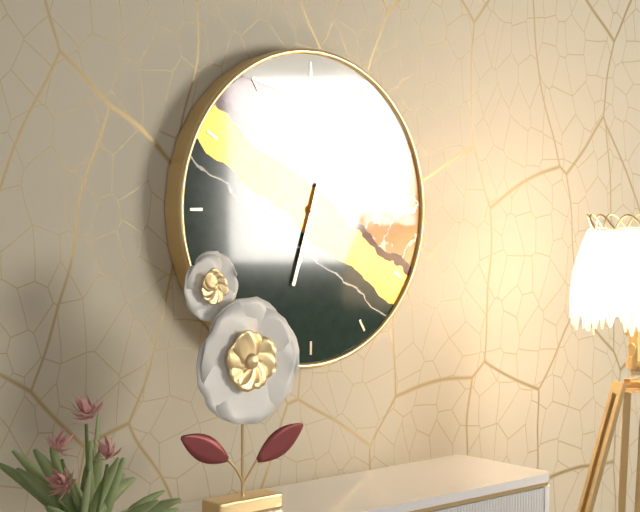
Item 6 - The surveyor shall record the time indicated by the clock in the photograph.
6:33
